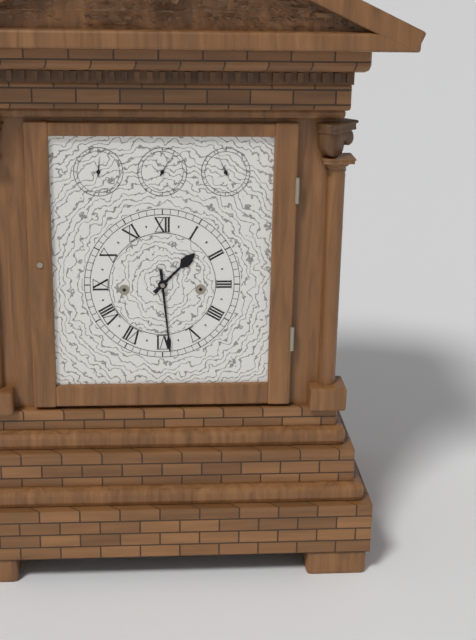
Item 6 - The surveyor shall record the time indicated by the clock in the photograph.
1:29
